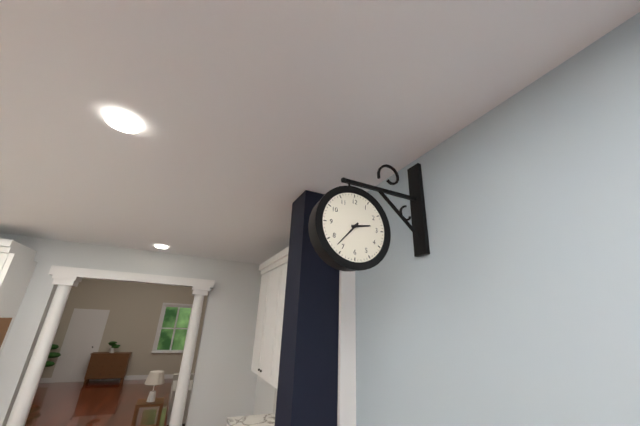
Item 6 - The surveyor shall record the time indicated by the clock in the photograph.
2:37
